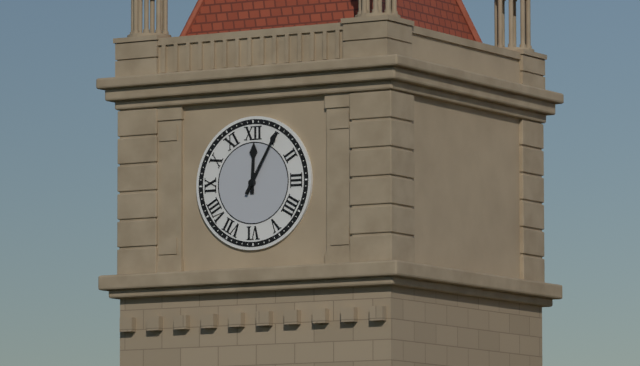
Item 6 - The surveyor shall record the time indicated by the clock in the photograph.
12:05
